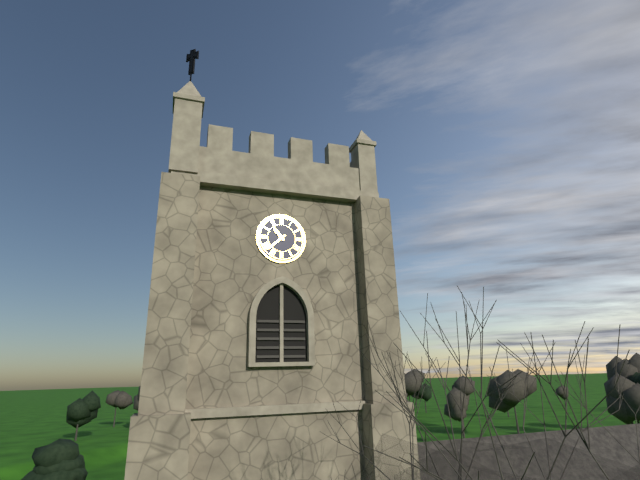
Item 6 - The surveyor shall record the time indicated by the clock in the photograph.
10:38
